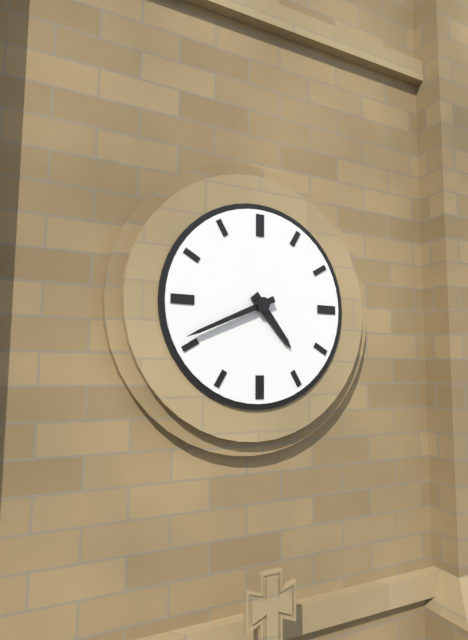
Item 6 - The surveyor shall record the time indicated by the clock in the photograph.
4:41
